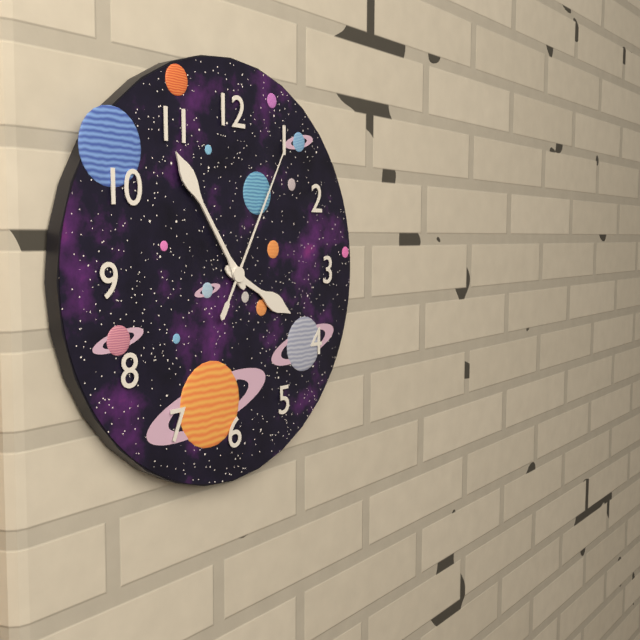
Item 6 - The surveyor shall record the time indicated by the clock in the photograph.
3:54:05
